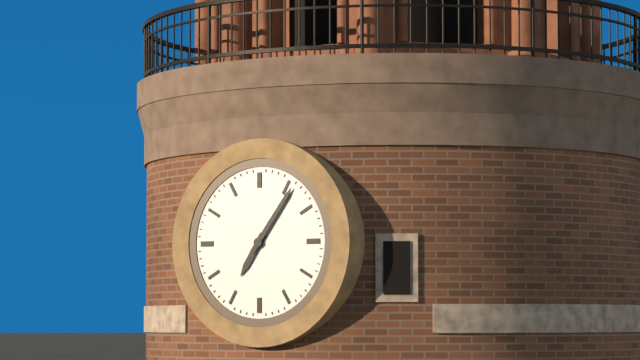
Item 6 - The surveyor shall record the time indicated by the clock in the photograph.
7:06
